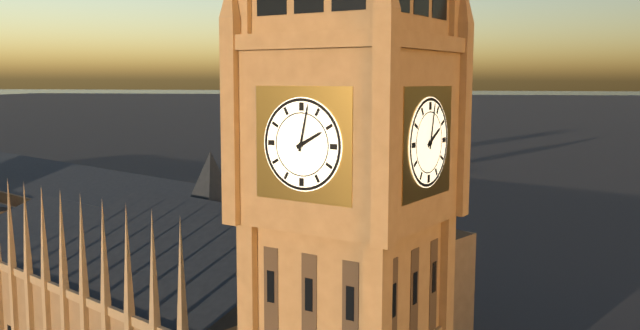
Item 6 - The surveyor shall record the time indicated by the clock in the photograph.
2:02
